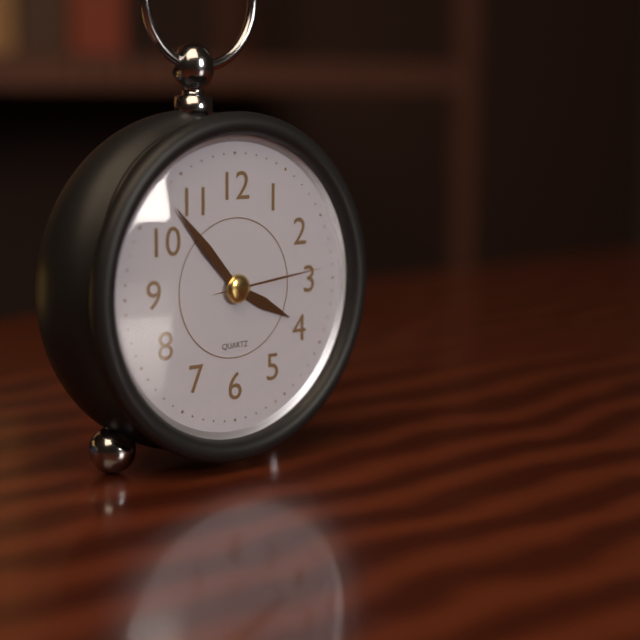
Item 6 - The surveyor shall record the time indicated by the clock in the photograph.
3:53:14
